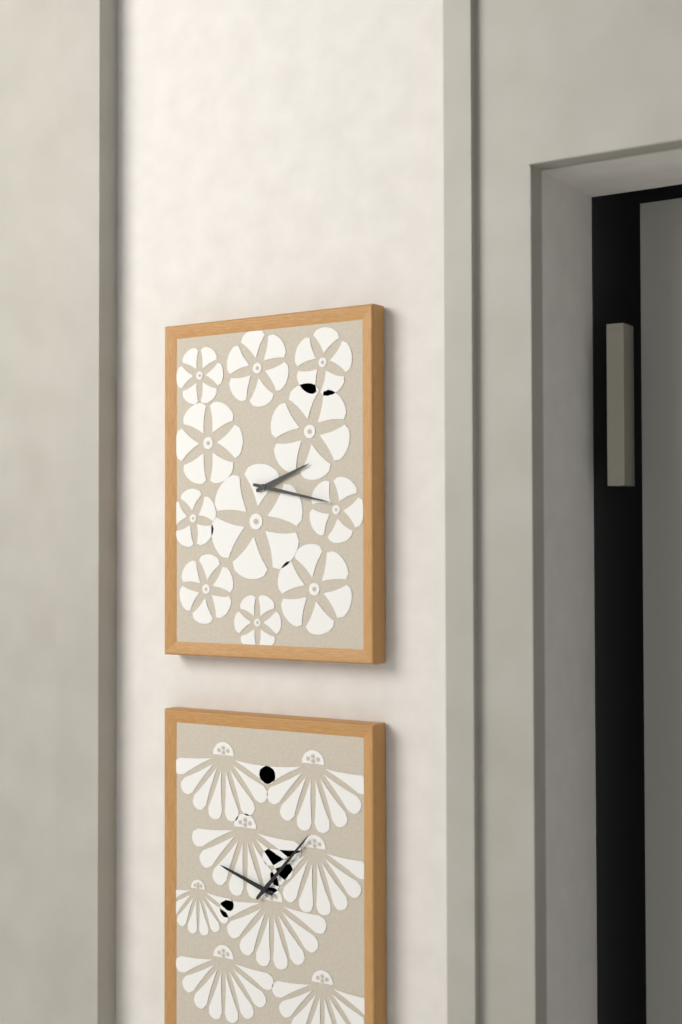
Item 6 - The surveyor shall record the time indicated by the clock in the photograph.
2:17
